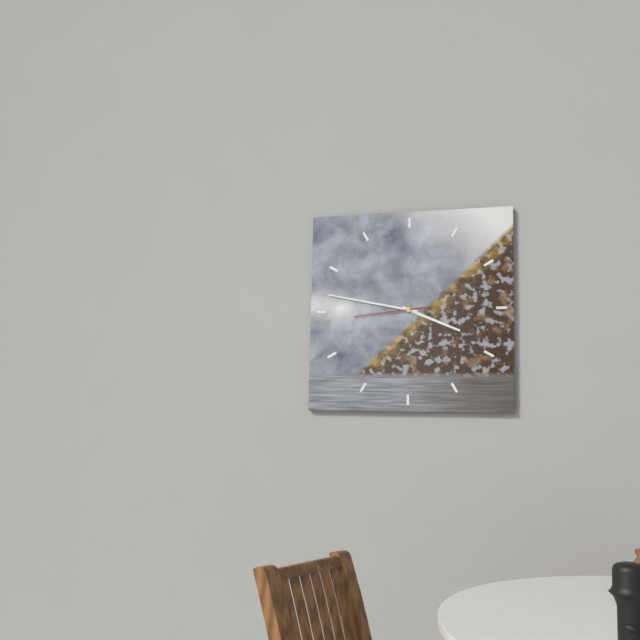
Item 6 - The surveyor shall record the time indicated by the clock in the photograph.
3:47:44
